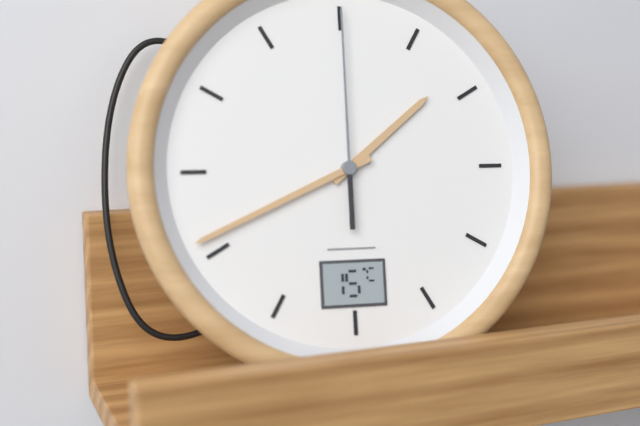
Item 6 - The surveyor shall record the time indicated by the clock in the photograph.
1:41:00
